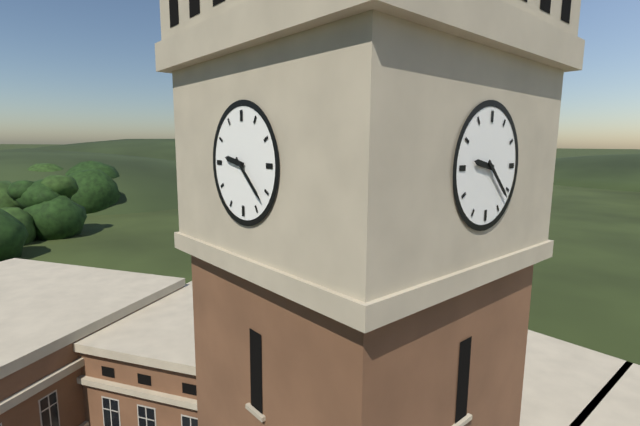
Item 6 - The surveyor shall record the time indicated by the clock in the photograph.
9:22
